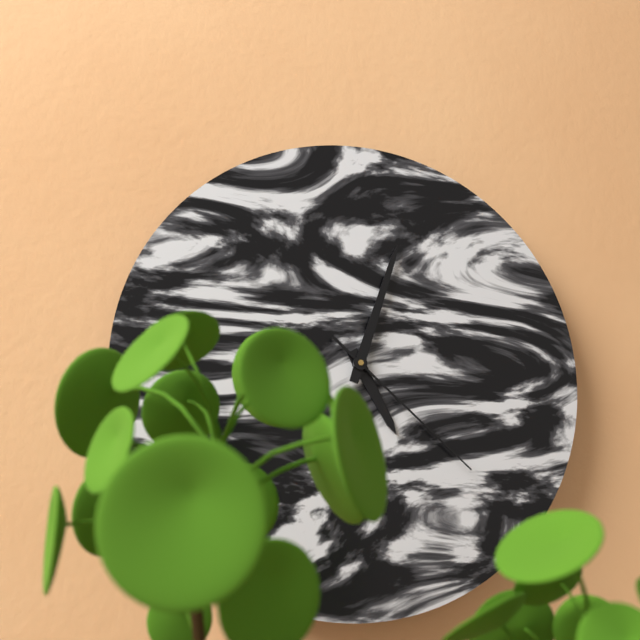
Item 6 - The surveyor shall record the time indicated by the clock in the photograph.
5:03:22
